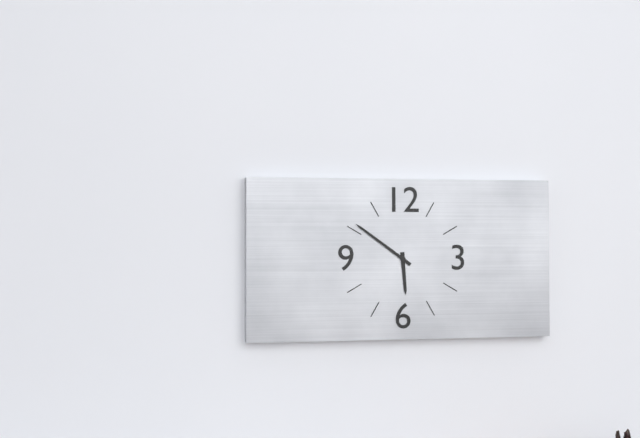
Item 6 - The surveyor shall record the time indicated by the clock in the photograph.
5:51
